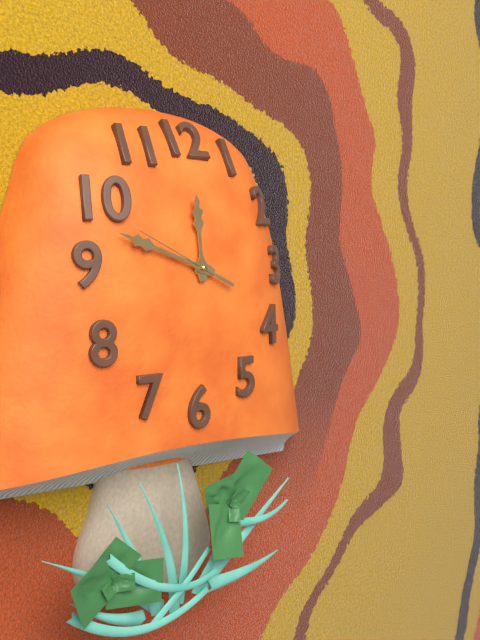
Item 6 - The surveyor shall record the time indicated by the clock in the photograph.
11:48:49
